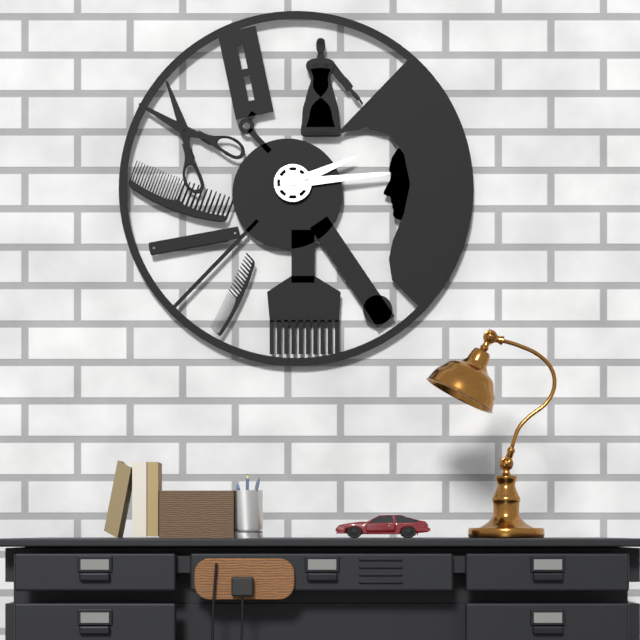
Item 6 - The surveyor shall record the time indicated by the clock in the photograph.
2:14
